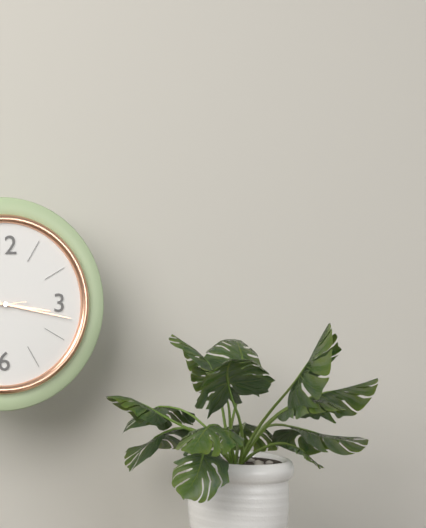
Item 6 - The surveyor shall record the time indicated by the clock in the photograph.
3:17
